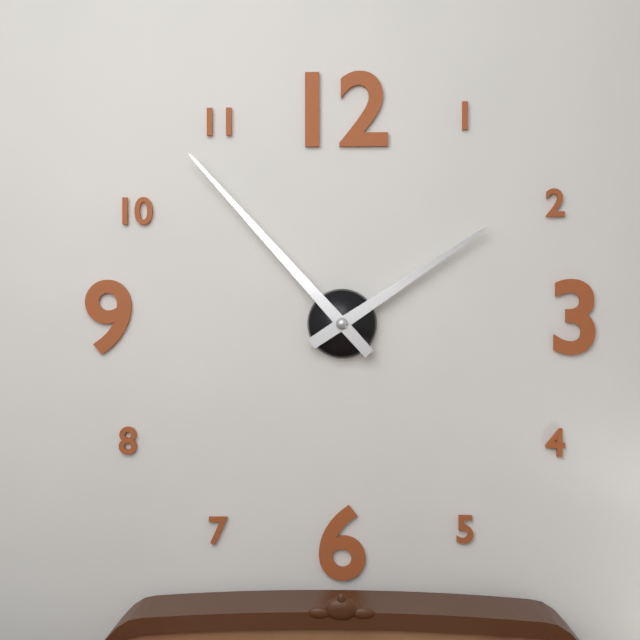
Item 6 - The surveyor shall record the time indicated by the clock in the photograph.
1:53
